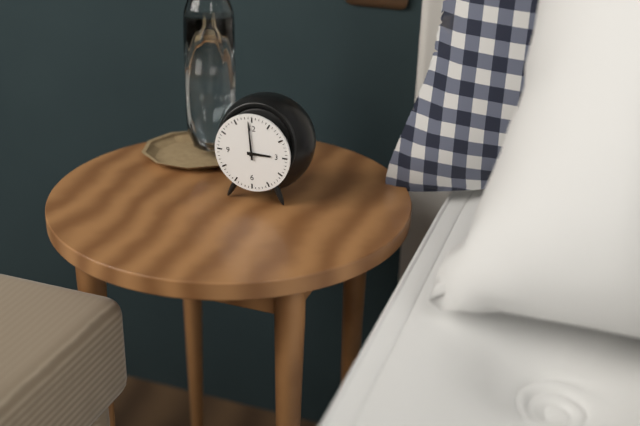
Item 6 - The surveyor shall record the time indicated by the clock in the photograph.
2:59
